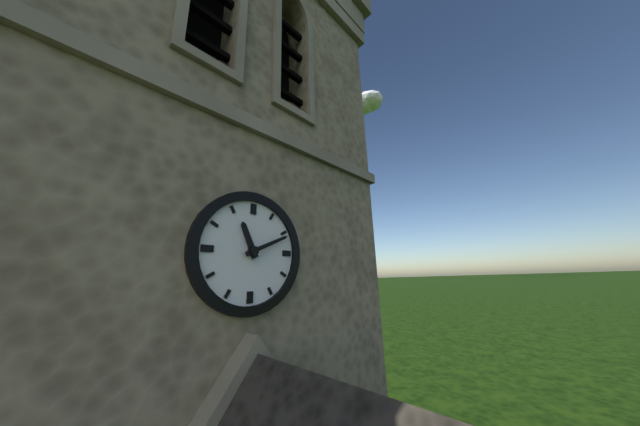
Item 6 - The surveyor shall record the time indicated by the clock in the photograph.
11:11
